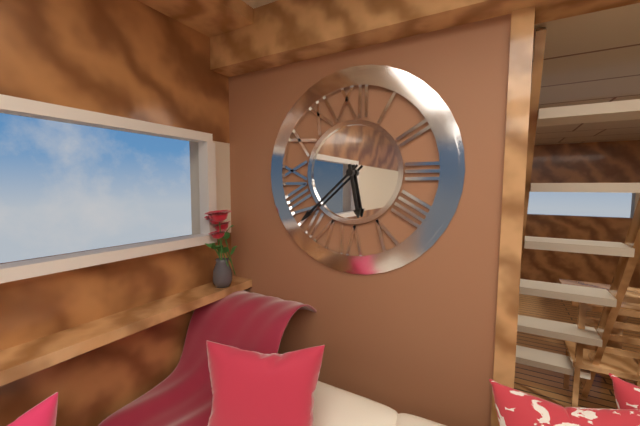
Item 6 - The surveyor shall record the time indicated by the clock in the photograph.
5:38
